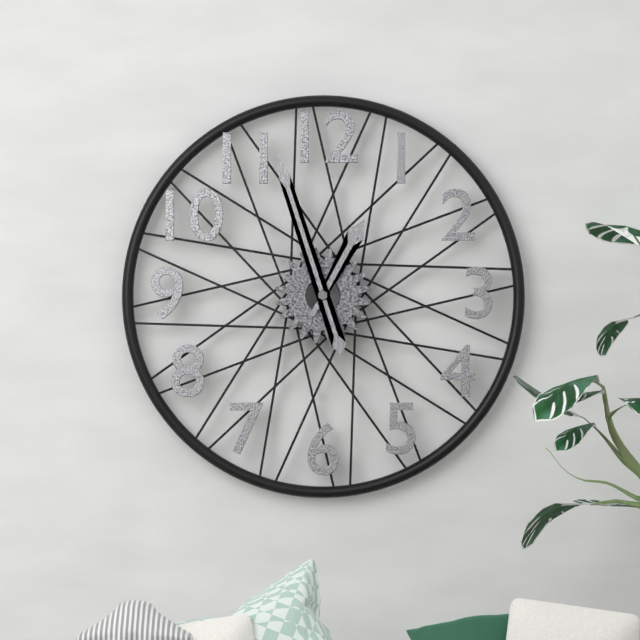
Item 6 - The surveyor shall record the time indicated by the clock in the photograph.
12:57
